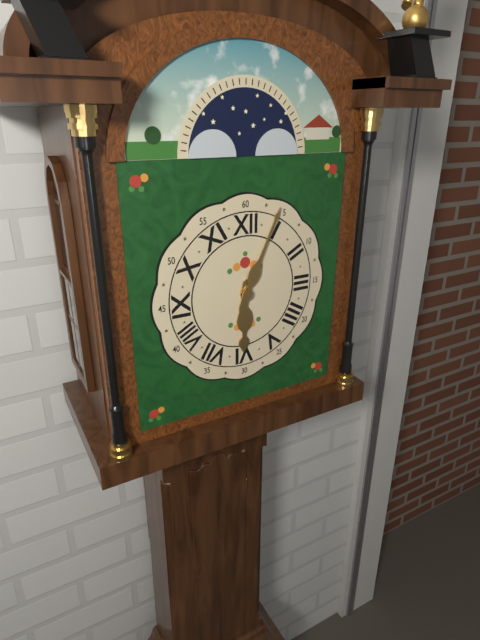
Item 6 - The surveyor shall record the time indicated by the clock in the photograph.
6:04
